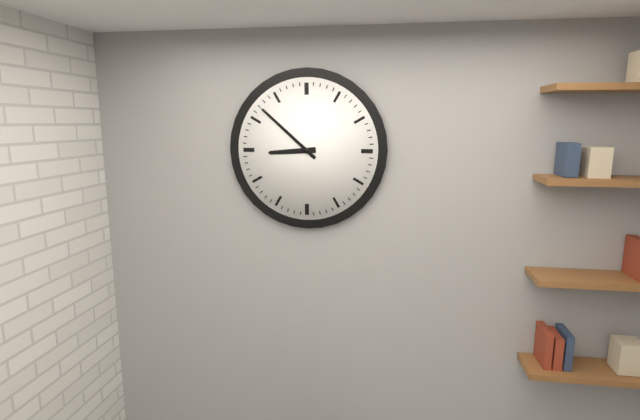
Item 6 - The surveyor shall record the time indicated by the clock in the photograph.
8:52
